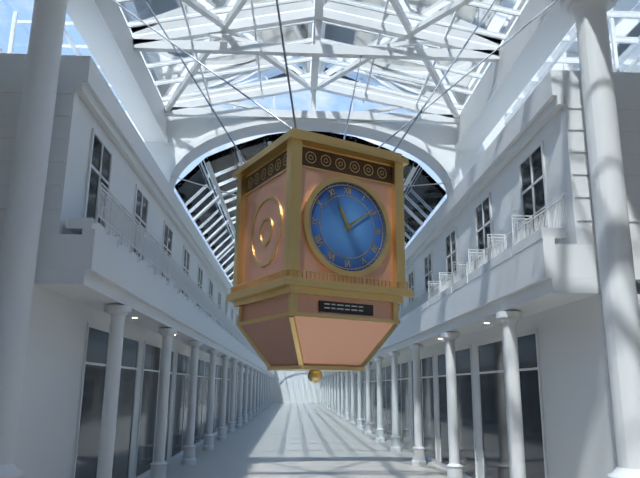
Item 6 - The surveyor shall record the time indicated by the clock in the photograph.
11:09
